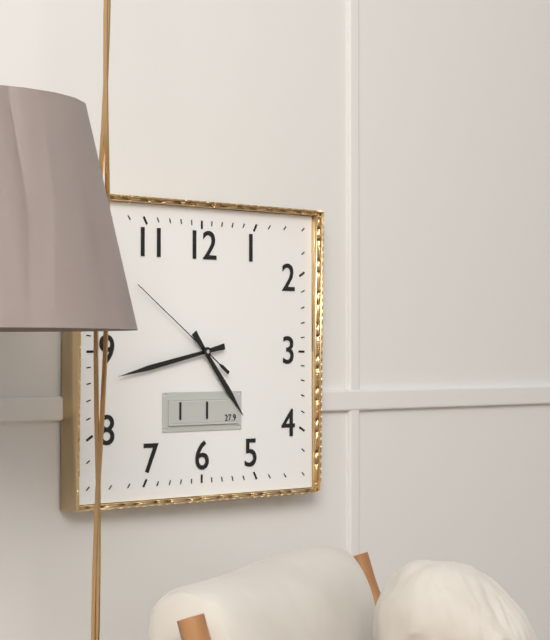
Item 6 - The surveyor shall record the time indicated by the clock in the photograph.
4:43:51
